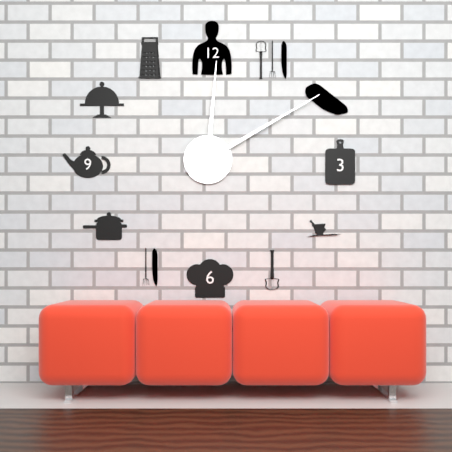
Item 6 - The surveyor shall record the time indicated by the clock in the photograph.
12:10
